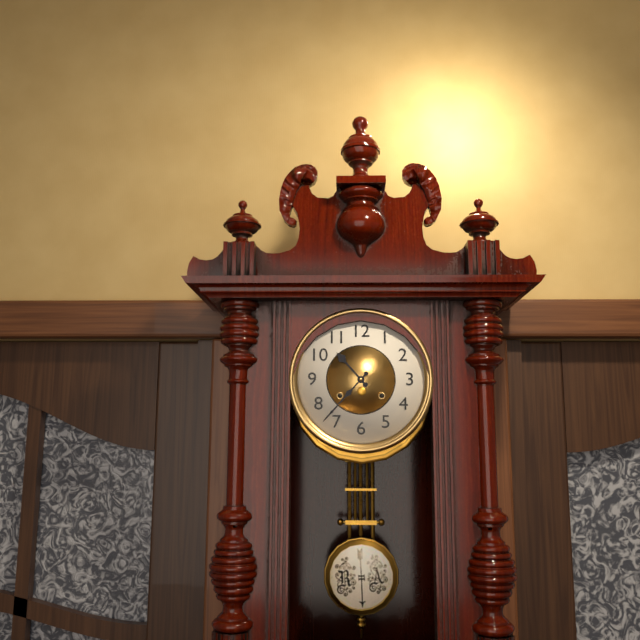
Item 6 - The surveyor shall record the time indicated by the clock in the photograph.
10:37
